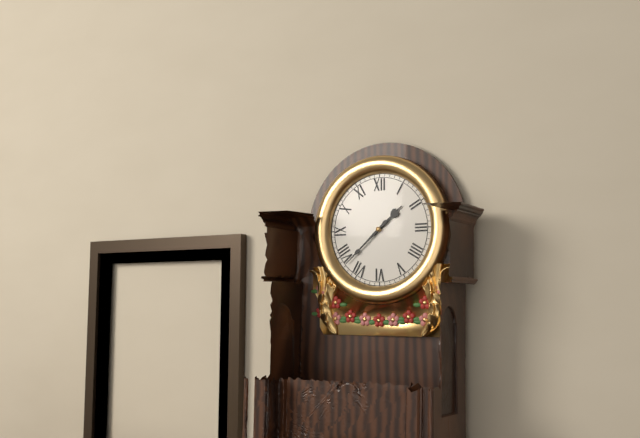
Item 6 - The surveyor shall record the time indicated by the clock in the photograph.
1:38
